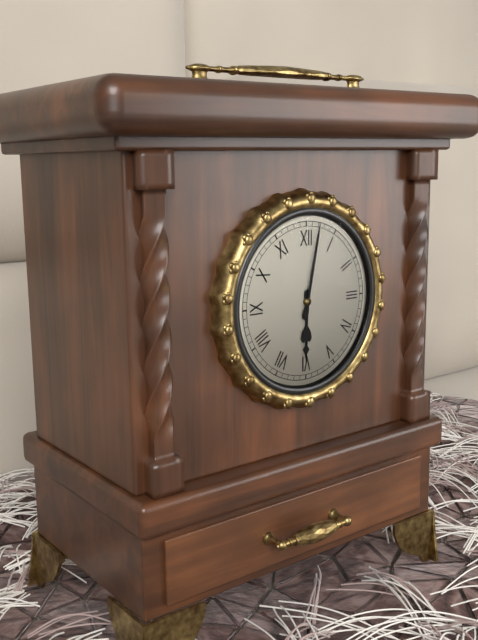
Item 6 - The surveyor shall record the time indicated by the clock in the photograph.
6:02
